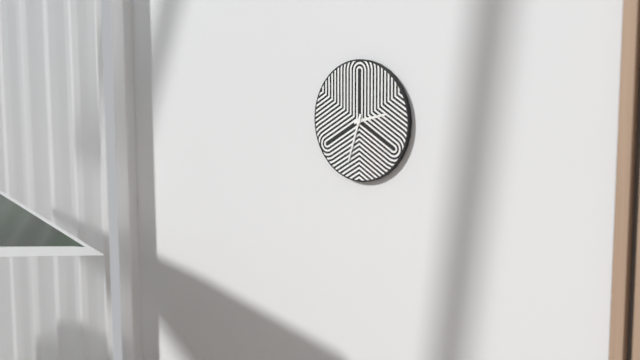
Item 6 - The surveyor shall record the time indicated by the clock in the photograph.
2:33
